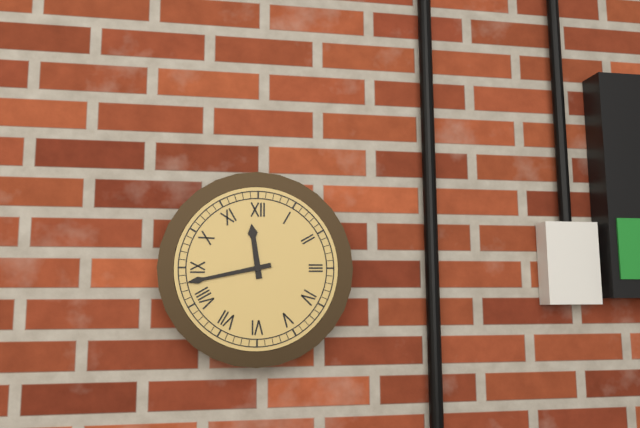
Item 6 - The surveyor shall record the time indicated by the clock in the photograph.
11:43
